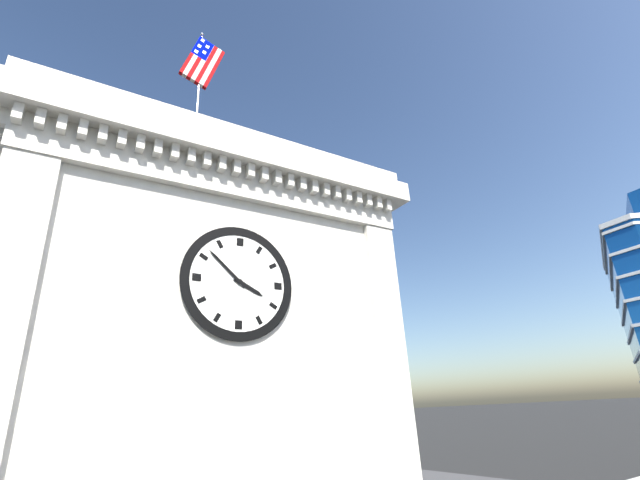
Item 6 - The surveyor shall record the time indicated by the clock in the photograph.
3:52
